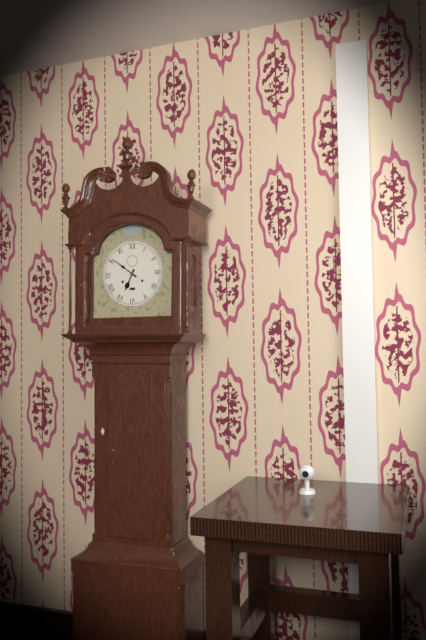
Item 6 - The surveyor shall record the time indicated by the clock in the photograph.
6:51
